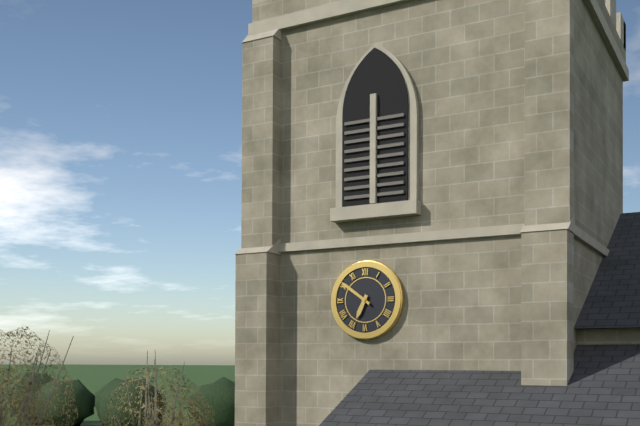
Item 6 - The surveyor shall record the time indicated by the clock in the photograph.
6:51
